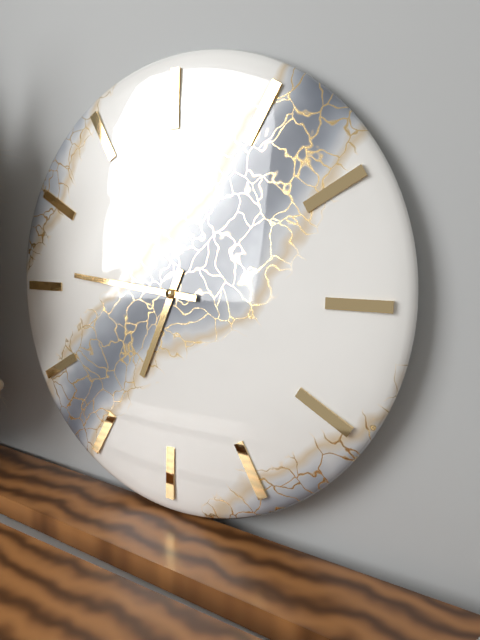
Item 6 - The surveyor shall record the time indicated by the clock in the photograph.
6:46
